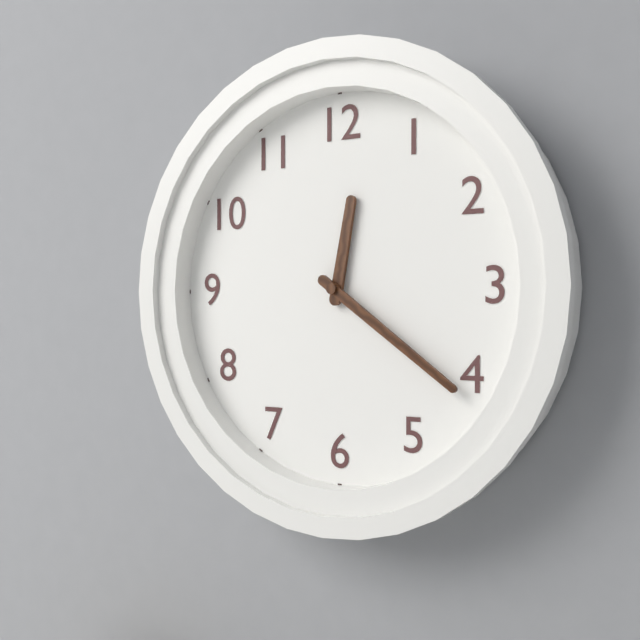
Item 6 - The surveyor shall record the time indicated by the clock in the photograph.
12:21
